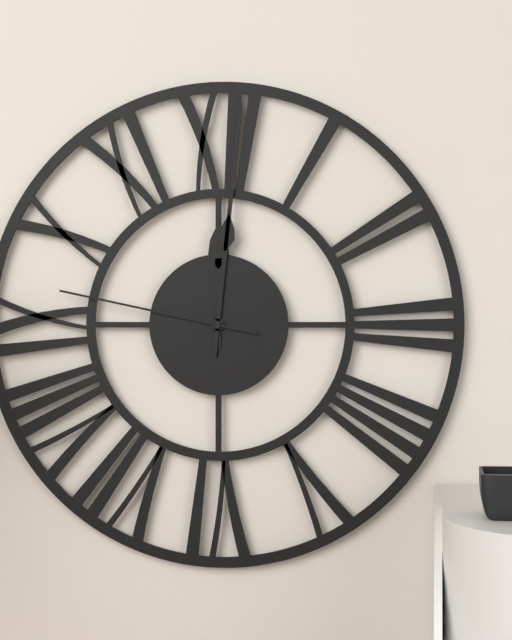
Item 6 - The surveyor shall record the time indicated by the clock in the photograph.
12:01:47
